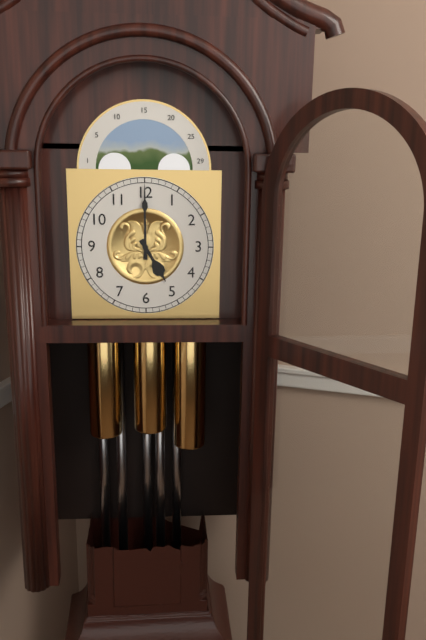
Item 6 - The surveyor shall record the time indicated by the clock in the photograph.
5:00
